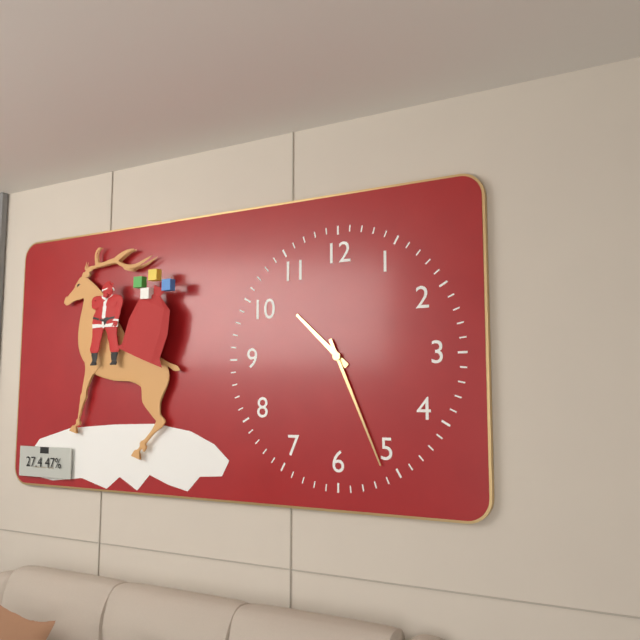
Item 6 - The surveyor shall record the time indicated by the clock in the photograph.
10:26
